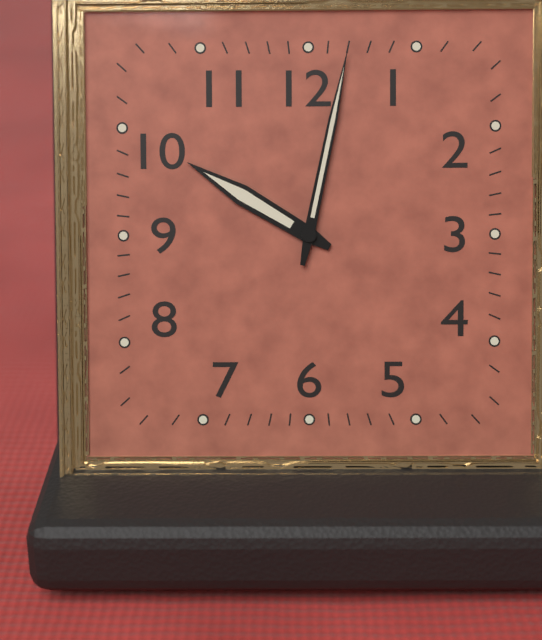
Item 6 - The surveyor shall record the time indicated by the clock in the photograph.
10:02
